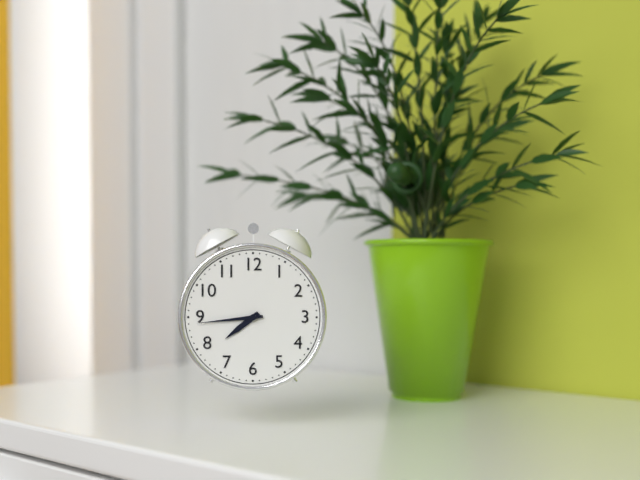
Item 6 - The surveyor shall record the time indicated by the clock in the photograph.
7:44
